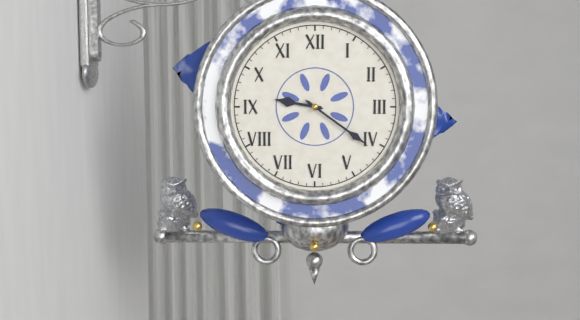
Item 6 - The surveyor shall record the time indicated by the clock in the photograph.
9:21
